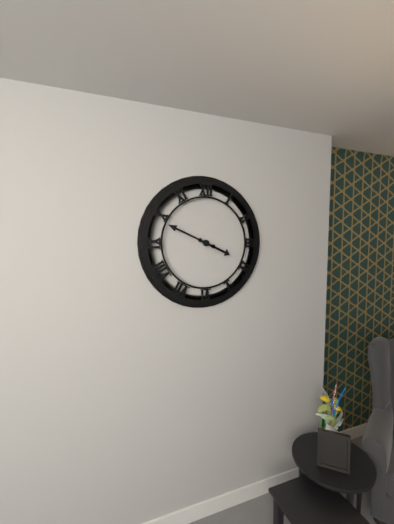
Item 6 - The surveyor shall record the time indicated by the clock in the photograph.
3:49
